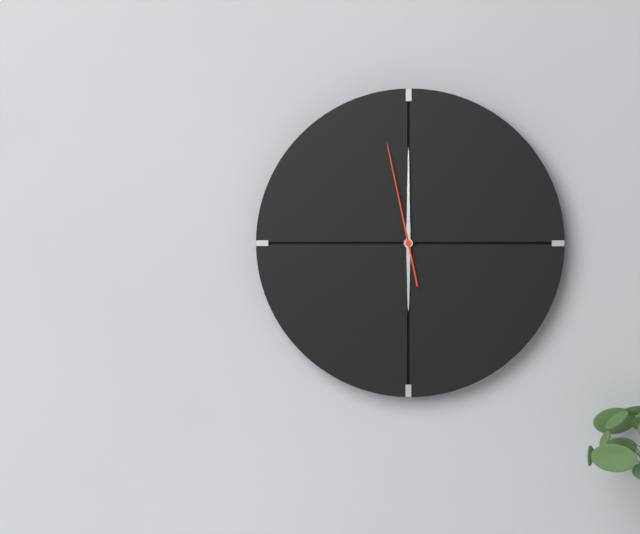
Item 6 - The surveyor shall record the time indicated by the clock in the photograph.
6:00:58
